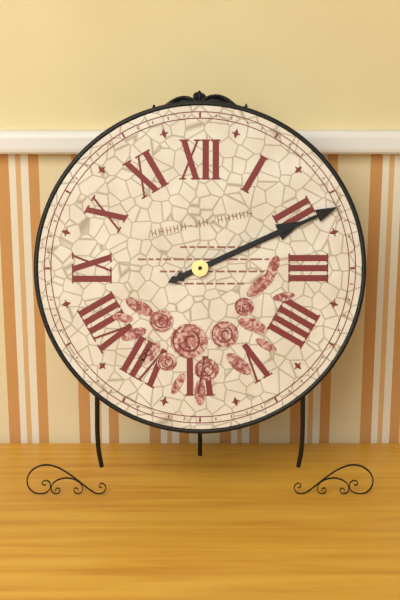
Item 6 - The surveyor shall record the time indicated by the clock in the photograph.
2:11
